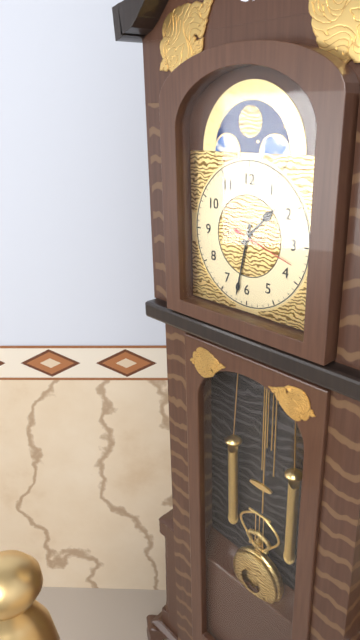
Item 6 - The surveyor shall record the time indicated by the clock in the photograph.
1:32:18
